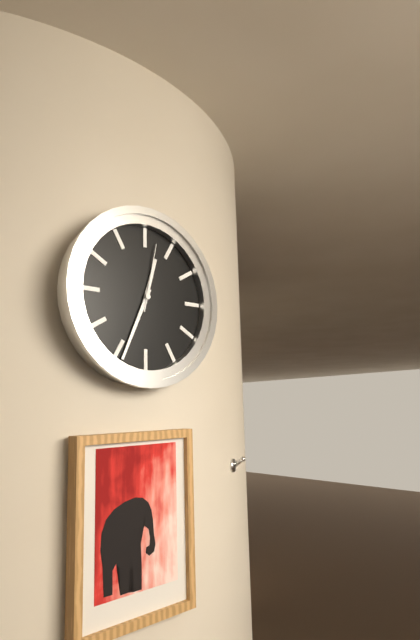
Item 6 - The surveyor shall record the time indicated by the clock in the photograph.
12:34:02
